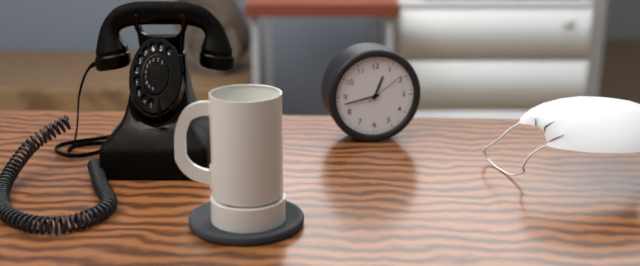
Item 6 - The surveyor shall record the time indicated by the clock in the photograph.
12:43
